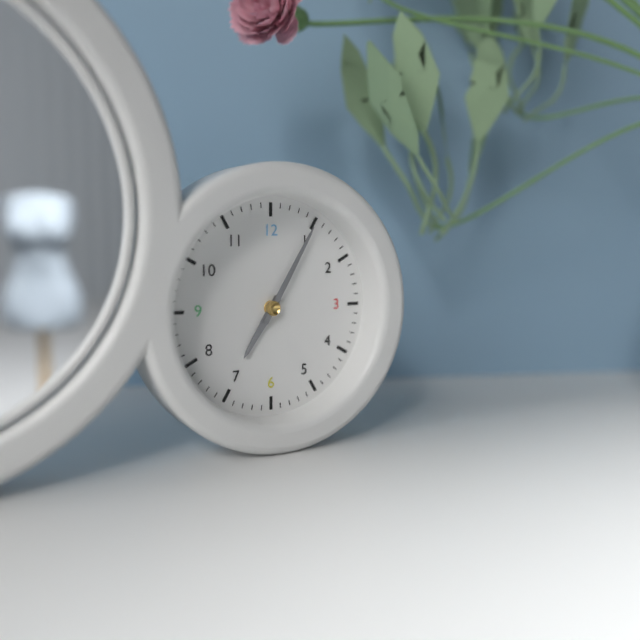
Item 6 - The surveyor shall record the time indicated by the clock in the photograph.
7:05
